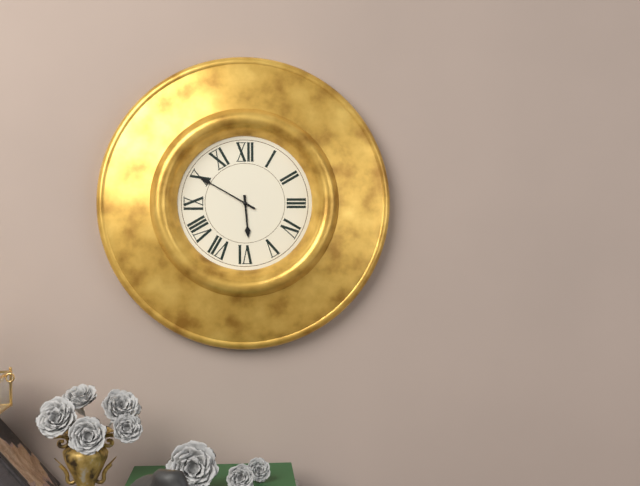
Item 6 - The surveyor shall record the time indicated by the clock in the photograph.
5:50
